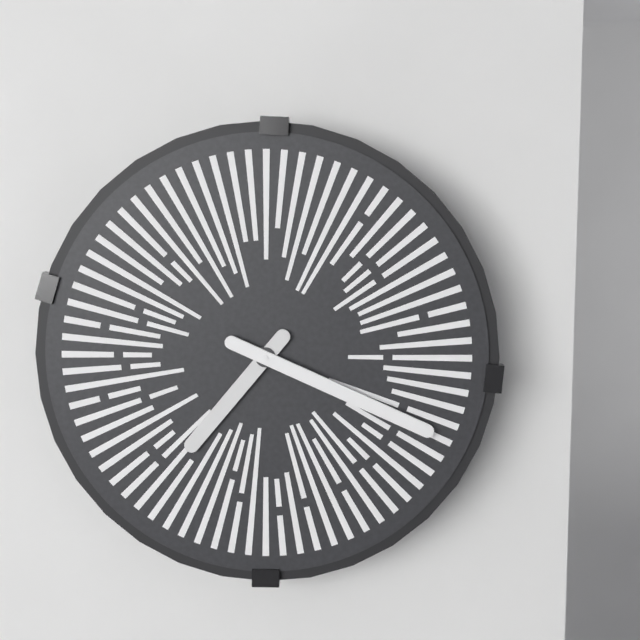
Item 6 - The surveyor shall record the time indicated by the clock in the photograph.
7:19
